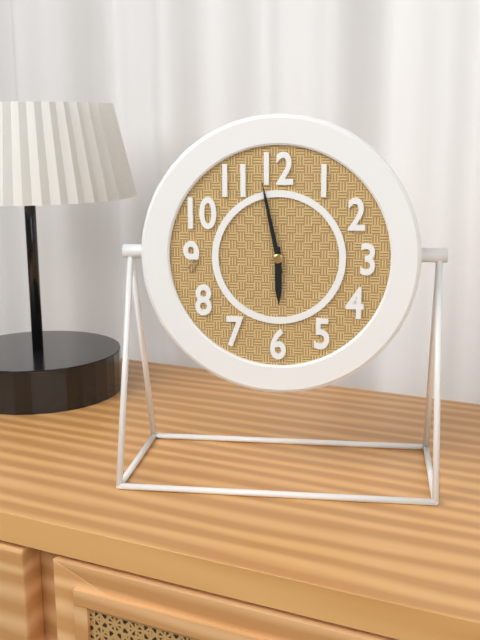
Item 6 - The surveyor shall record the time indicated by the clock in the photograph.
5:58
